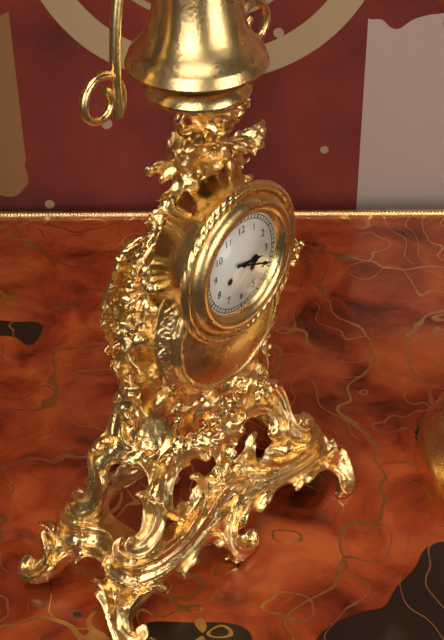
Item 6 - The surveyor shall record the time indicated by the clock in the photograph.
3:19
